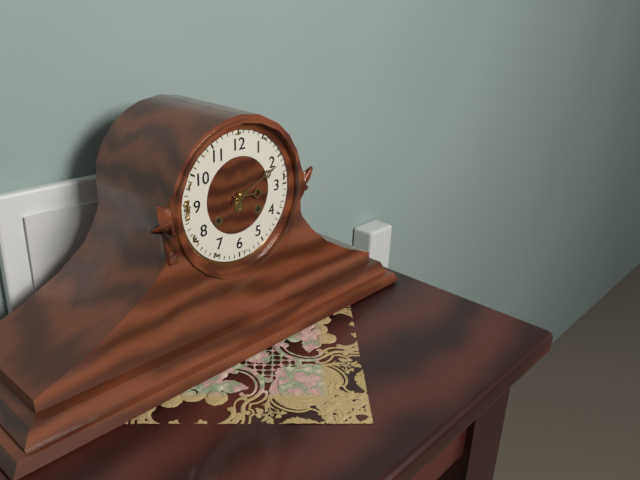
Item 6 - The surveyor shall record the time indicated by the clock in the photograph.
3:11
